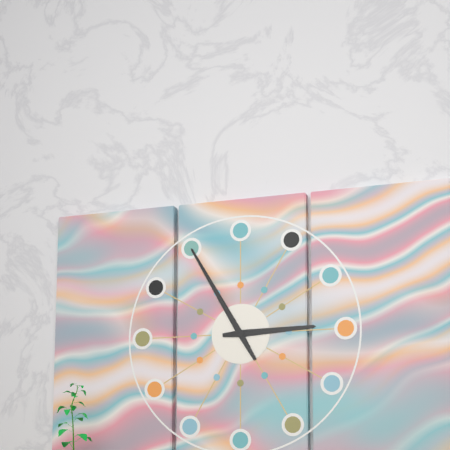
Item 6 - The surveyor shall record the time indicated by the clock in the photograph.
2:55
